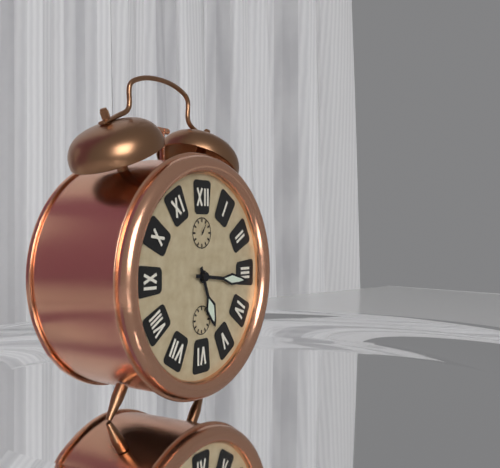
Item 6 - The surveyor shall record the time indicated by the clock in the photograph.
5:16
